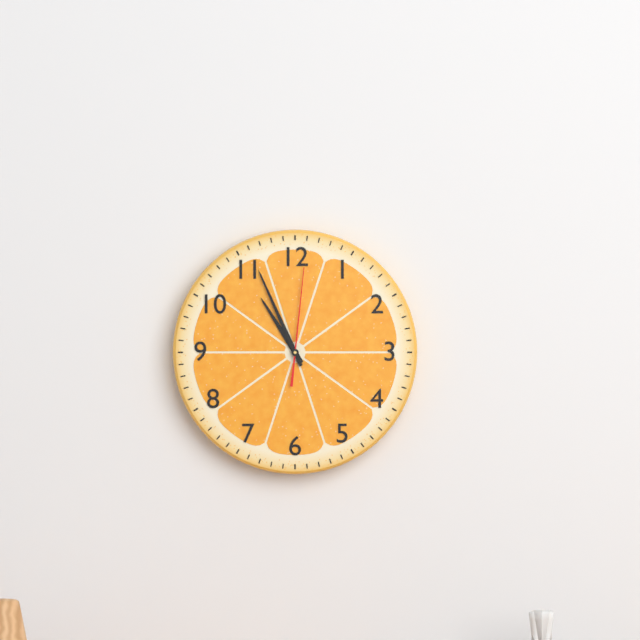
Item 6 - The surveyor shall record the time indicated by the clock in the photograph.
10:56:01
